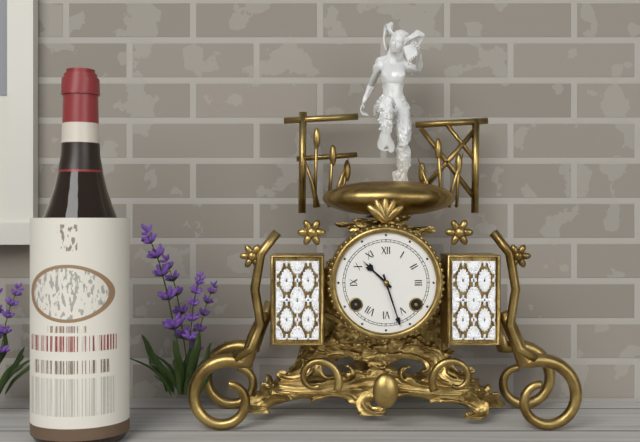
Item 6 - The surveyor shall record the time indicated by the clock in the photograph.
10:27
